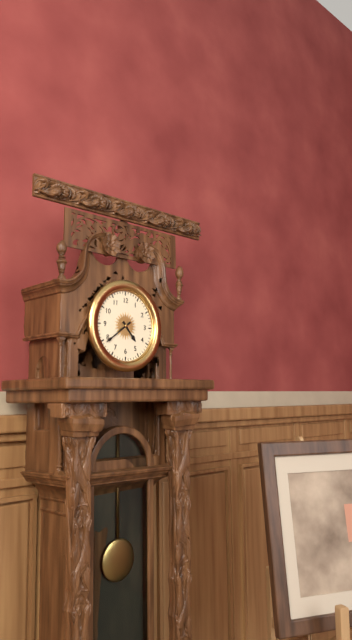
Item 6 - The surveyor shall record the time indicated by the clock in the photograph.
4:39
